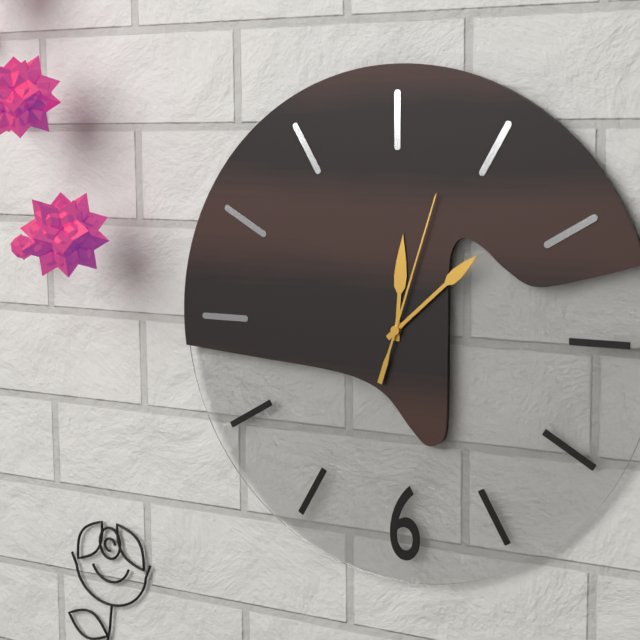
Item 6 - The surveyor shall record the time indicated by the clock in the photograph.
12:08:03
